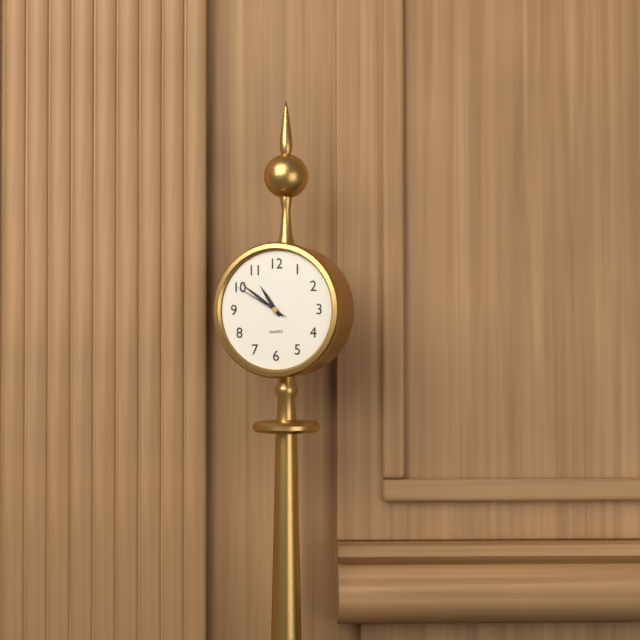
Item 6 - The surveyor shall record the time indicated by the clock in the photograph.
10:51:50
